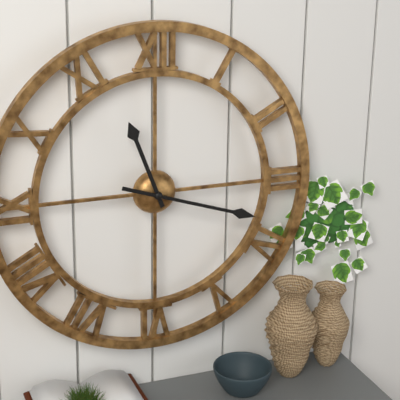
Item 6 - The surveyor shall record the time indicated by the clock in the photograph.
11:18
